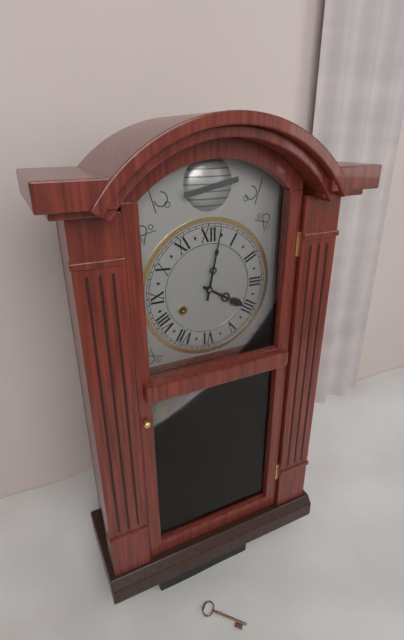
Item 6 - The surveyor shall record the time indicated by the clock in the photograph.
4:02
